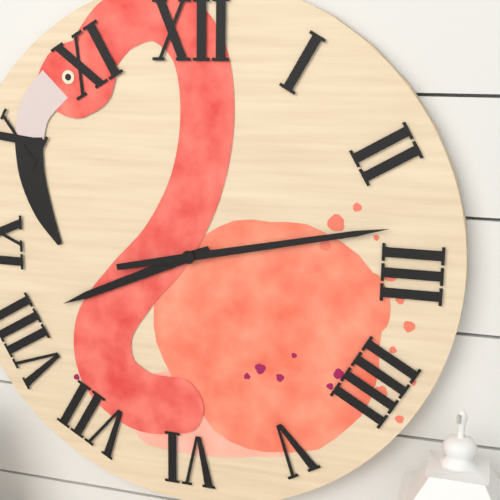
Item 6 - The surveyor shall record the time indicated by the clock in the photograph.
8:13
